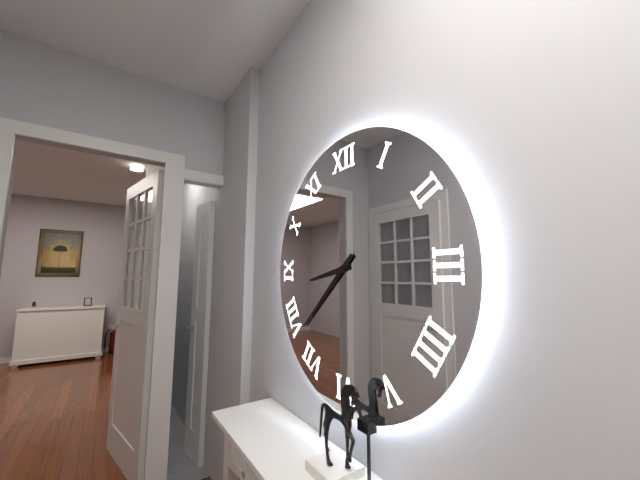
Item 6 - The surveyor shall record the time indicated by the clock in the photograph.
8:38
